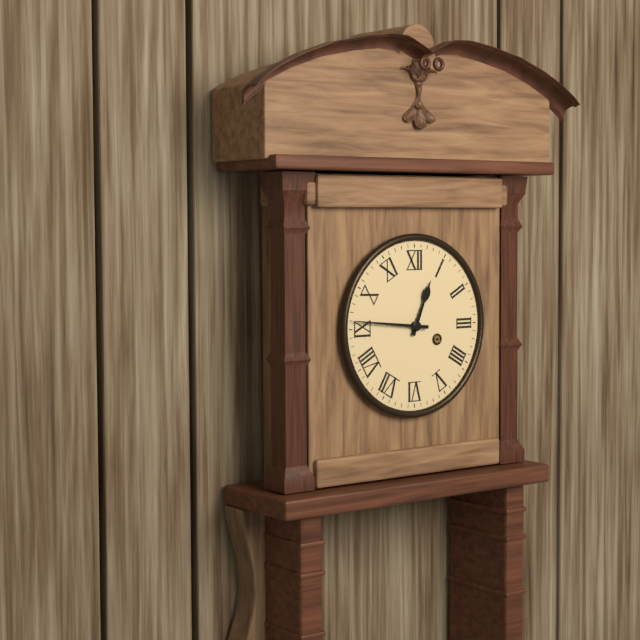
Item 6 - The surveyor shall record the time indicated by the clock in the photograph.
12:46
